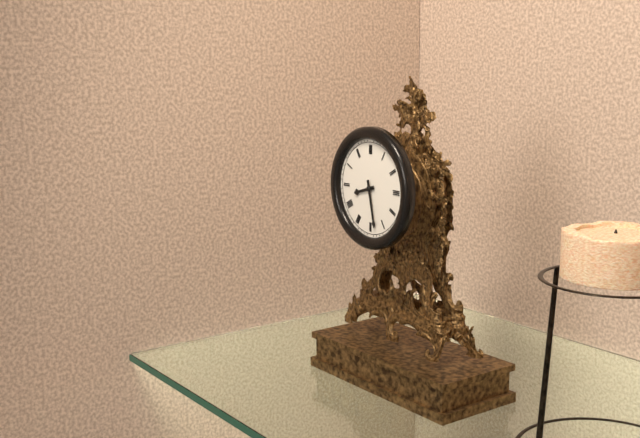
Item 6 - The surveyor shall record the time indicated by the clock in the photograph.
8:28
